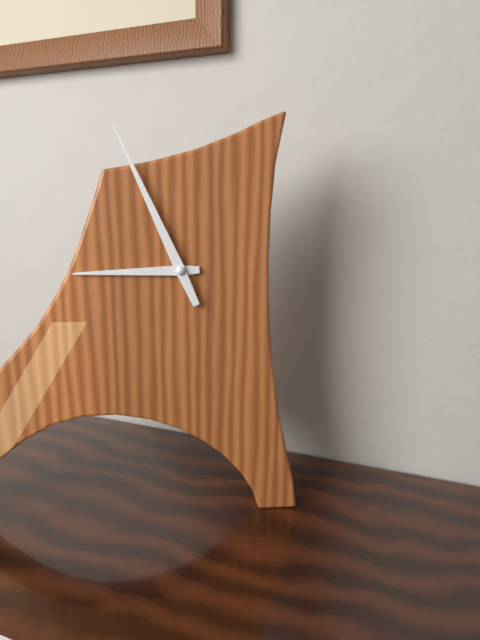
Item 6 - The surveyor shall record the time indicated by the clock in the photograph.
8:56
